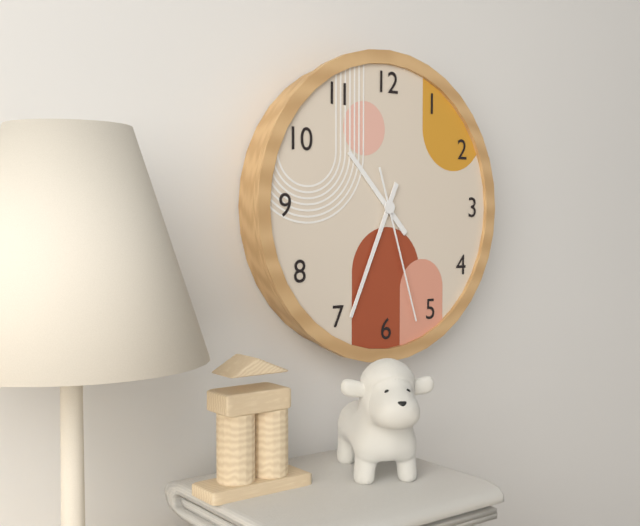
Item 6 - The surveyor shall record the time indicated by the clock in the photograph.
10:34:27
